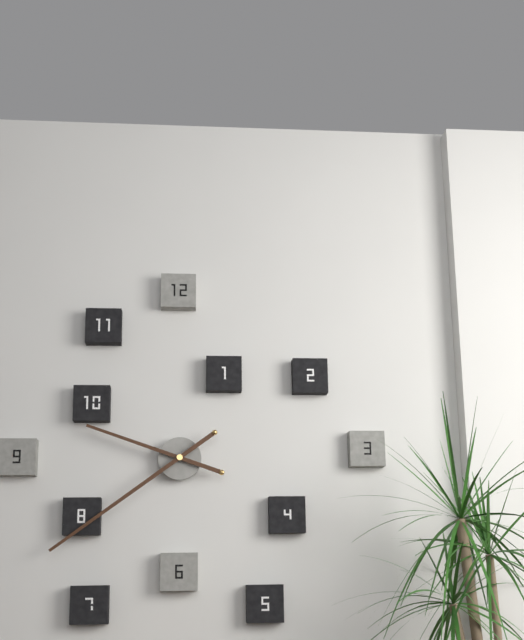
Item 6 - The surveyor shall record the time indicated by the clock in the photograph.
9:39
